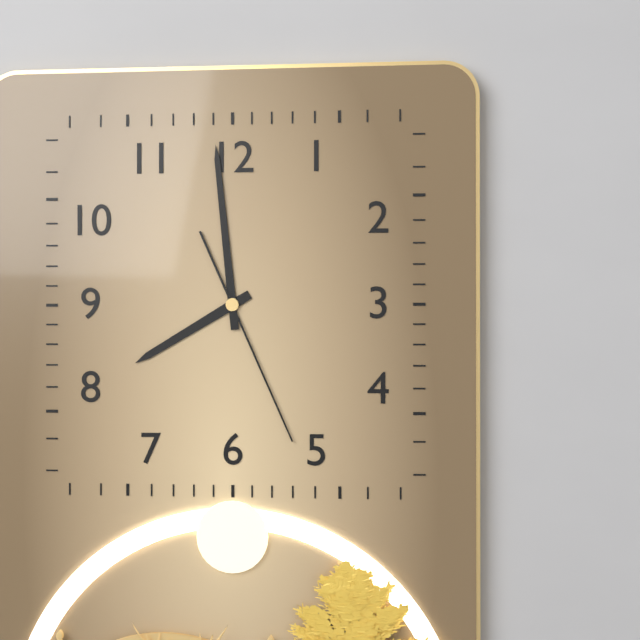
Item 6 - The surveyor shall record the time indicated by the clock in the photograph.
7:59:26
